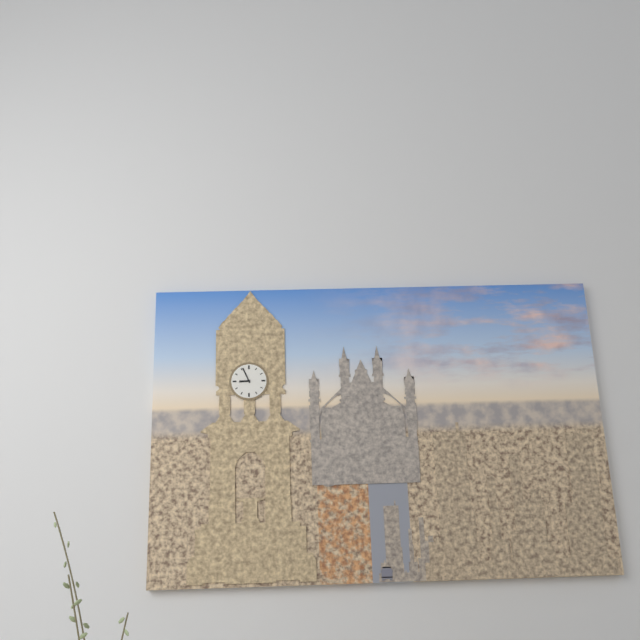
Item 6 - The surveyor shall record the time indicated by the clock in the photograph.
8:56
